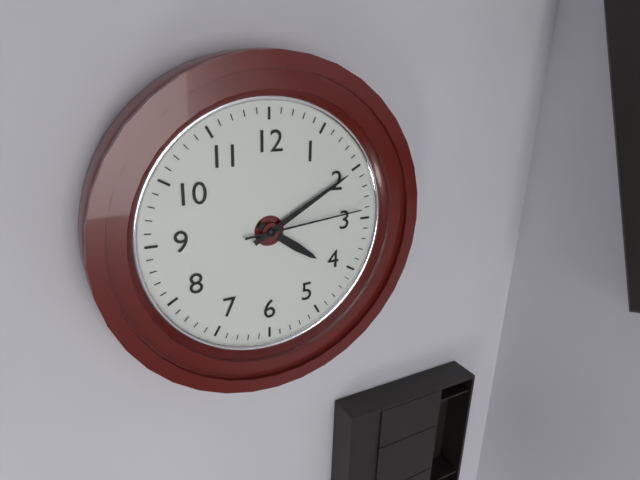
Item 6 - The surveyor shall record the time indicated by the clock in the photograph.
4:10:14
